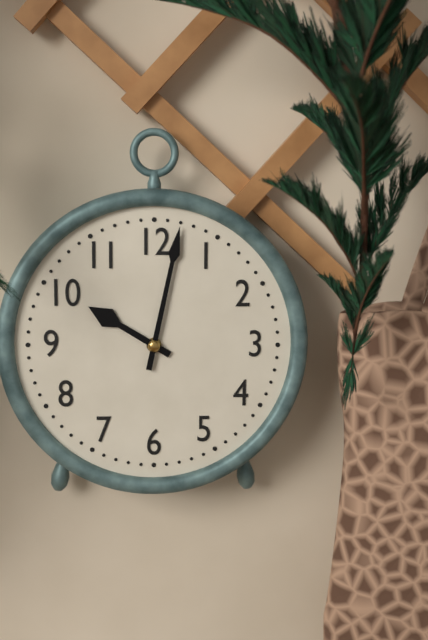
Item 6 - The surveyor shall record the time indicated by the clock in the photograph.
10:02
